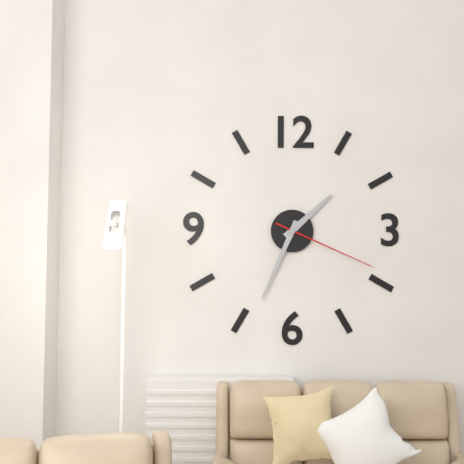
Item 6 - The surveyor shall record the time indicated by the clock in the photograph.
1:34:19
